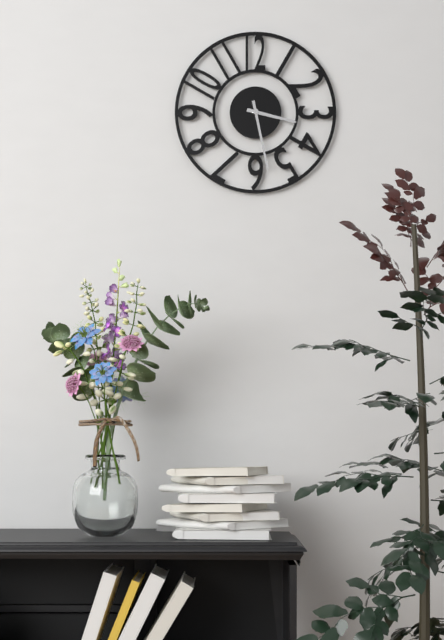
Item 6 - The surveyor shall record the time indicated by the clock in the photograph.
3:28
